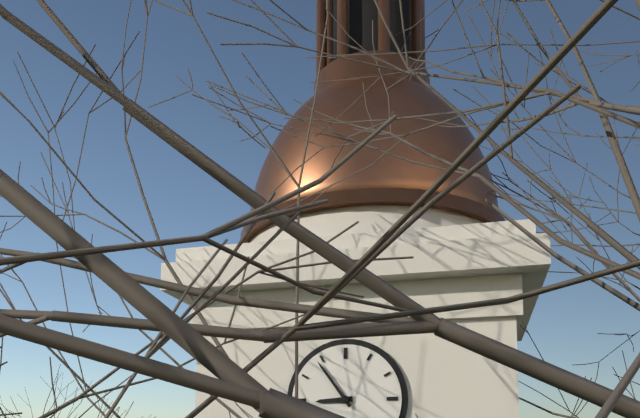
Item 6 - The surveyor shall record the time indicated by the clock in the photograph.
8:54
